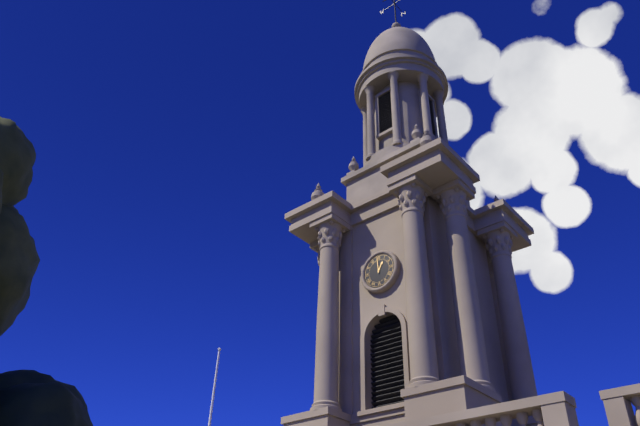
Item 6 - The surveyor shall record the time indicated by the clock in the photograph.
12:59
